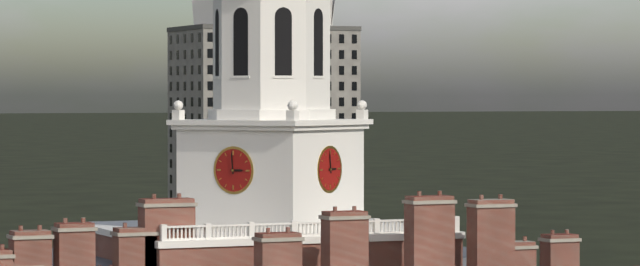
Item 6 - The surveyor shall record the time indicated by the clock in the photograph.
2:59
